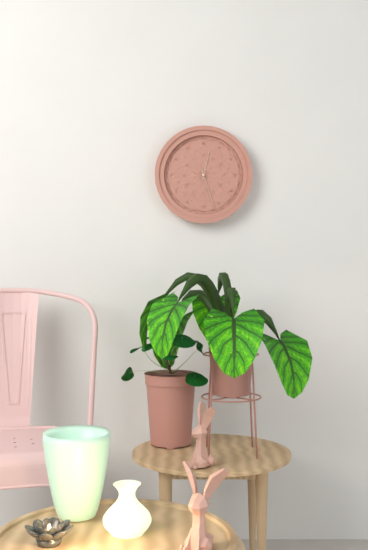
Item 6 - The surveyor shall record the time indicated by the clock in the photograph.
12:27
